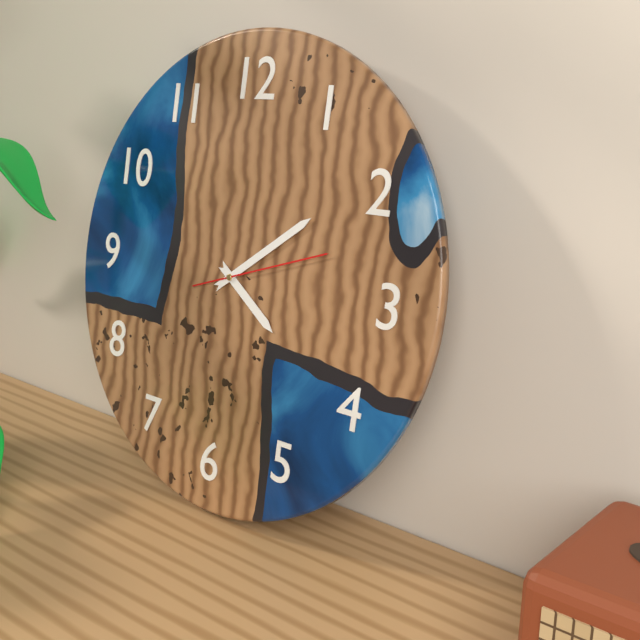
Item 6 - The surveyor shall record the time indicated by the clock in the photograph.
4:09:12
